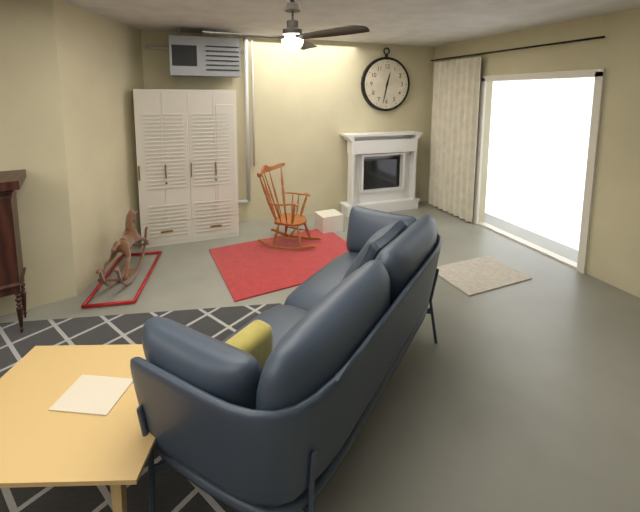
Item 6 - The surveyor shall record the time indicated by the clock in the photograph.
12:32
